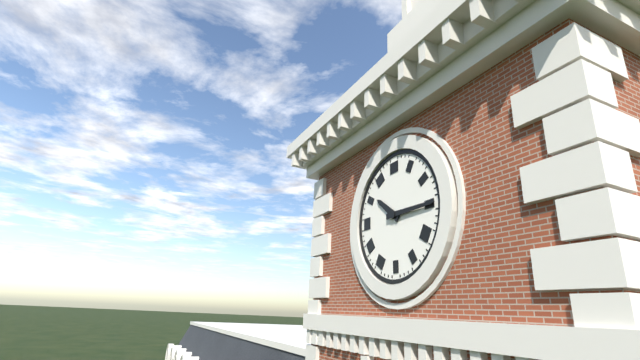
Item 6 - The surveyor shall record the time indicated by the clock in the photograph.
10:15
